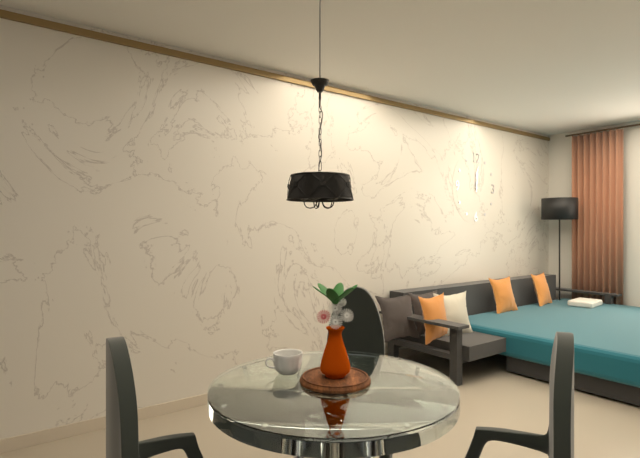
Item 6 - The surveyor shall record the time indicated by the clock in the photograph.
12:01
